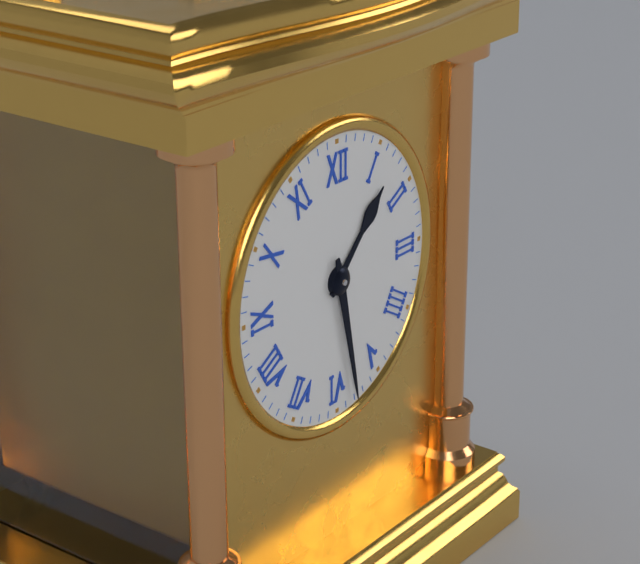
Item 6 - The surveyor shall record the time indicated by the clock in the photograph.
1:28
